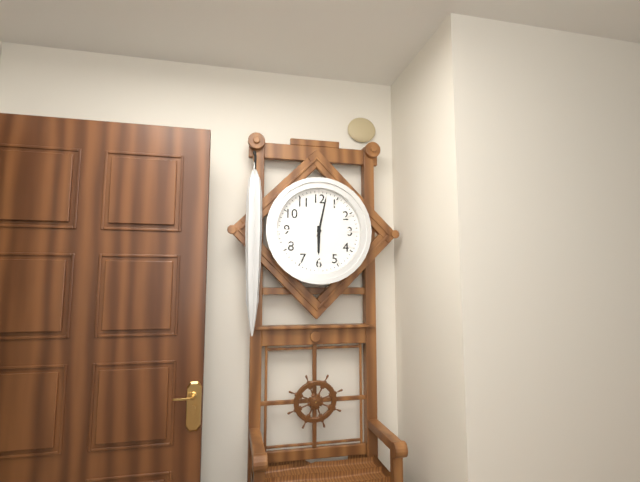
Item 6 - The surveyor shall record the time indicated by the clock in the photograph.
6:02
